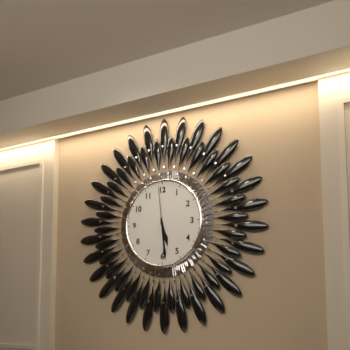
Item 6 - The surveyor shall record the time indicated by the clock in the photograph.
5:29
